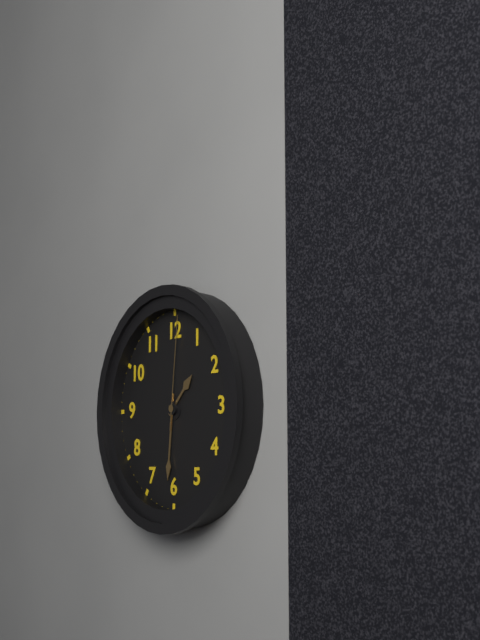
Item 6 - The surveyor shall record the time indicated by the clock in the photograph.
1:31:01
